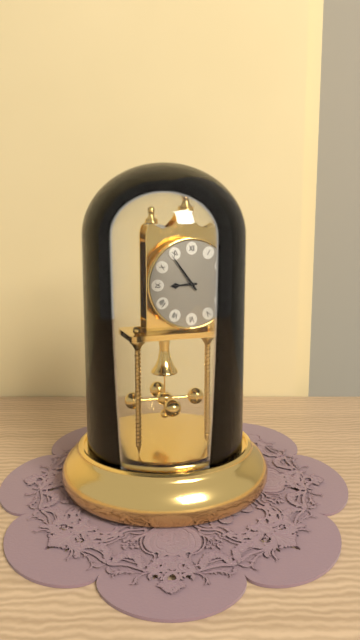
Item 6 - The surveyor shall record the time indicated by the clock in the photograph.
8:54
